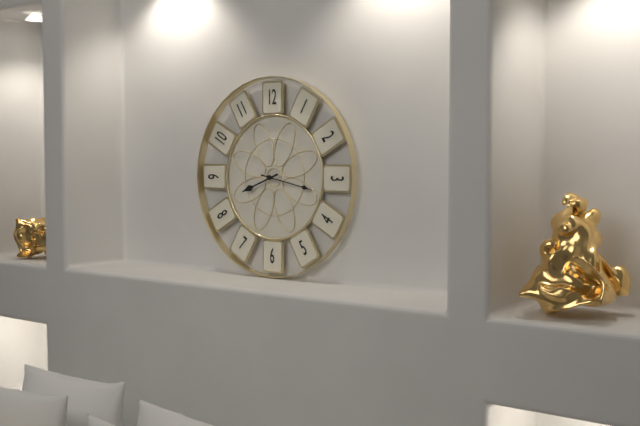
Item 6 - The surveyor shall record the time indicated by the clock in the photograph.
8:17
